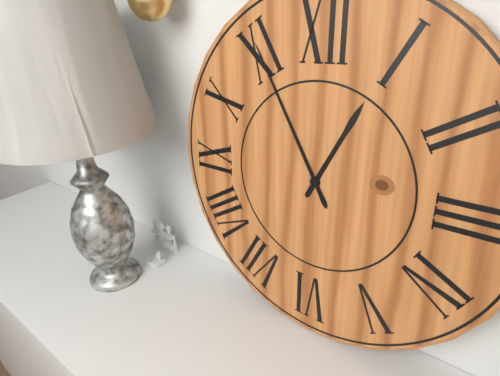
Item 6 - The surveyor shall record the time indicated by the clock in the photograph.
12:55
